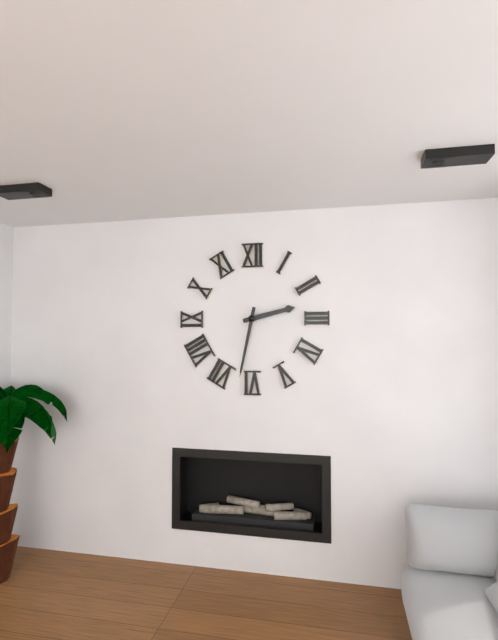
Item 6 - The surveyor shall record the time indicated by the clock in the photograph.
2:32
